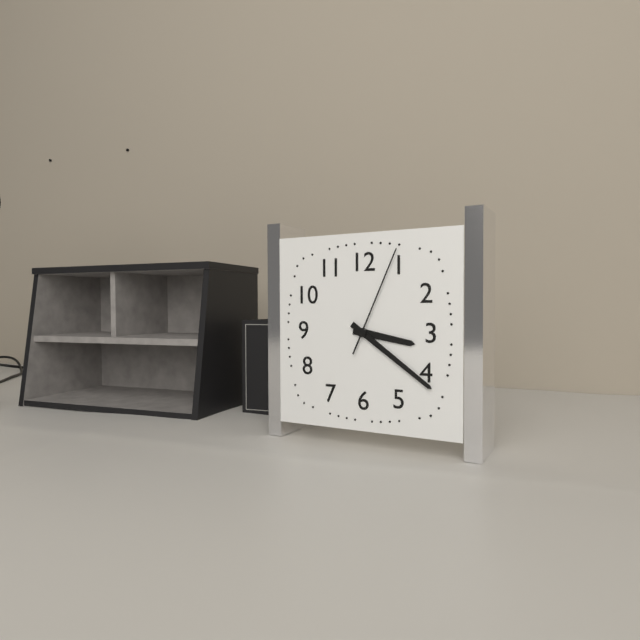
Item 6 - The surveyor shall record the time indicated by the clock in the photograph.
3:21:04
